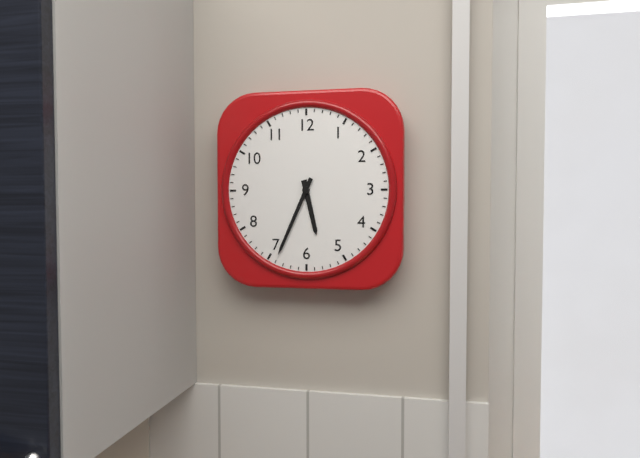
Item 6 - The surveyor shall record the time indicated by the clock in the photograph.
5:34
